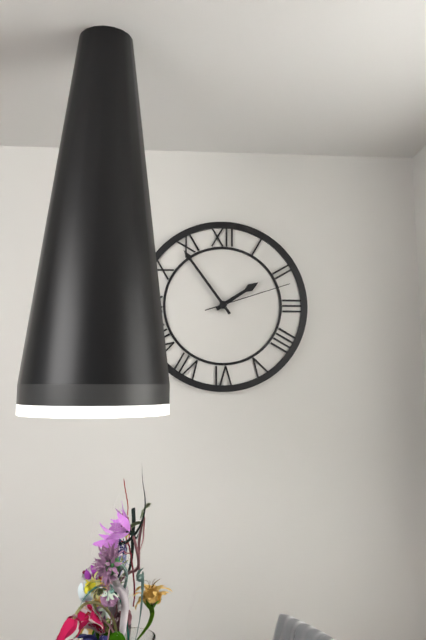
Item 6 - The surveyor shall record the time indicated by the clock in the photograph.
1:54:12
